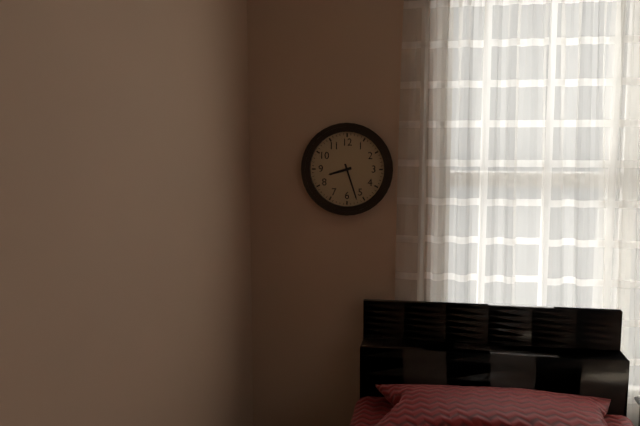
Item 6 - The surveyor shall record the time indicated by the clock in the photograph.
8:27
